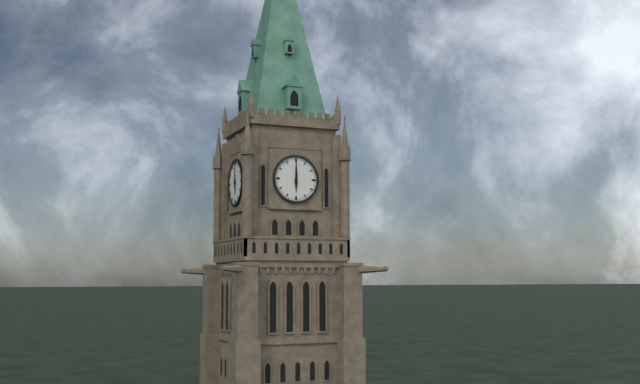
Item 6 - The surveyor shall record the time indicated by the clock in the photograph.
6:00
